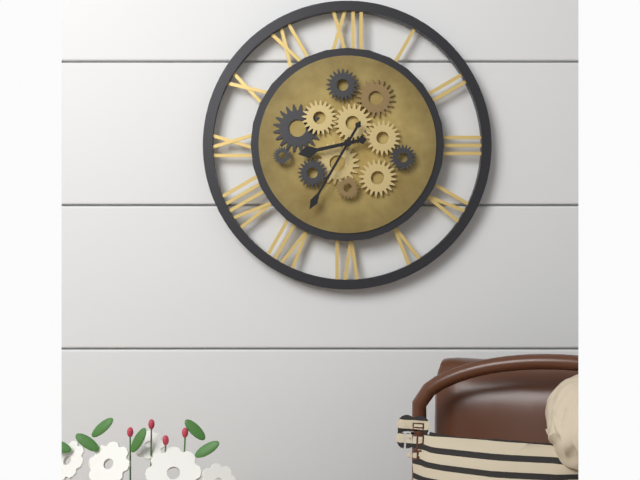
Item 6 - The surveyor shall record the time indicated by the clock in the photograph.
8:35
